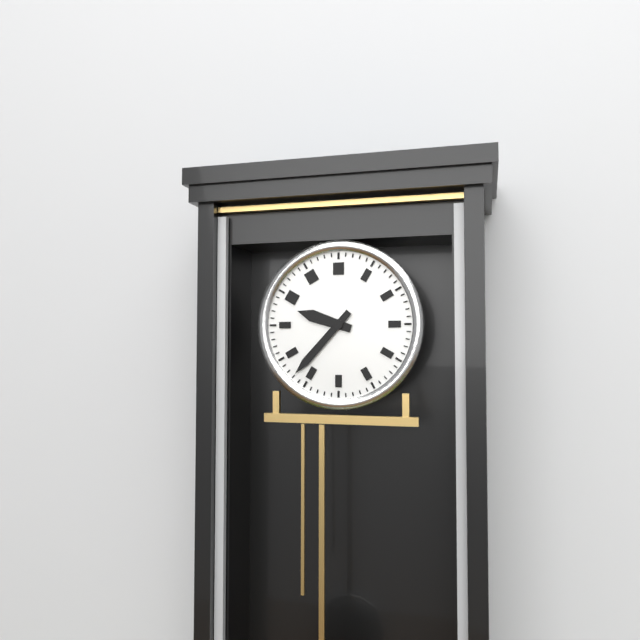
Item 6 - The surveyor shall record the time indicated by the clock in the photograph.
9:37
